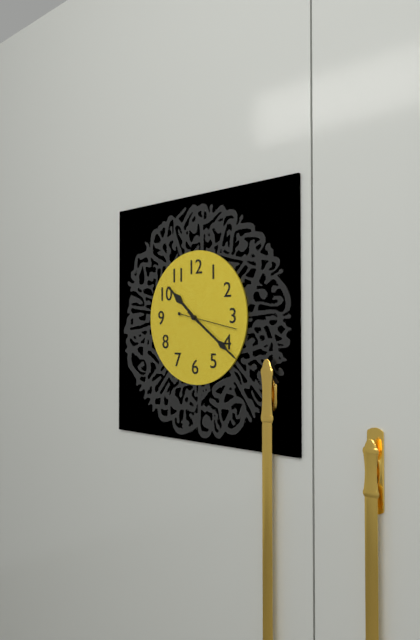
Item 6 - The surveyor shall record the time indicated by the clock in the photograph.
10:21:17
